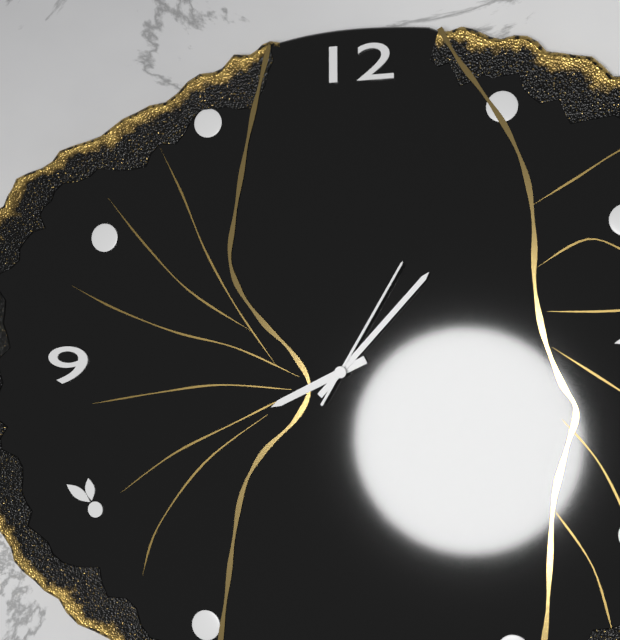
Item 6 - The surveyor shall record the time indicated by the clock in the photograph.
8:07:05
